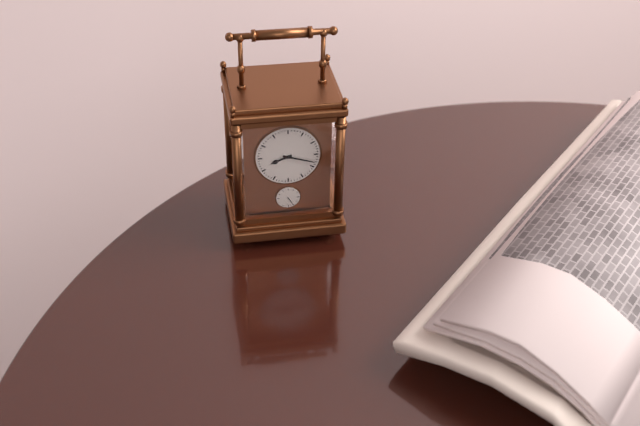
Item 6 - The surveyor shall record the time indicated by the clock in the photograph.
8:18
